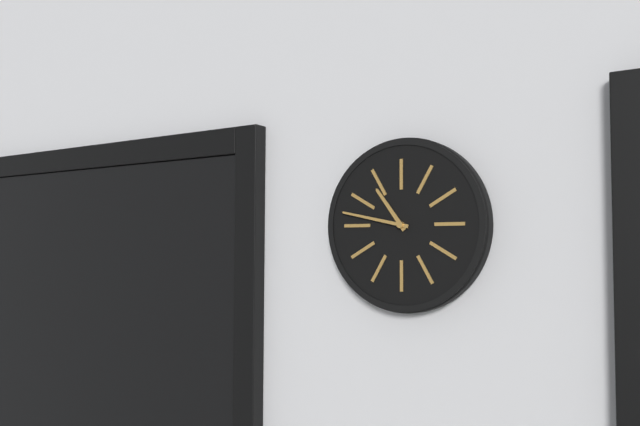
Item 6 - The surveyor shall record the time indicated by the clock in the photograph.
10:47
